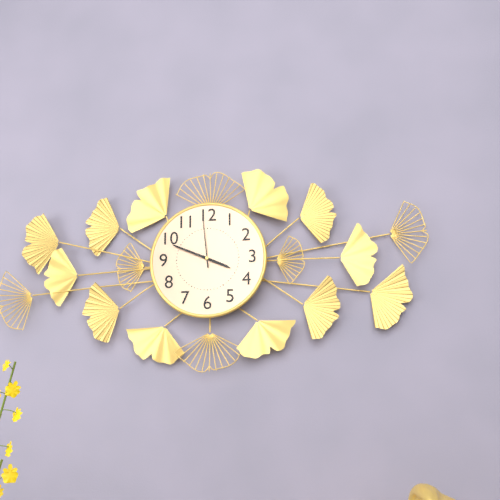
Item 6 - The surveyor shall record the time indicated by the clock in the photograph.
3:49:59
